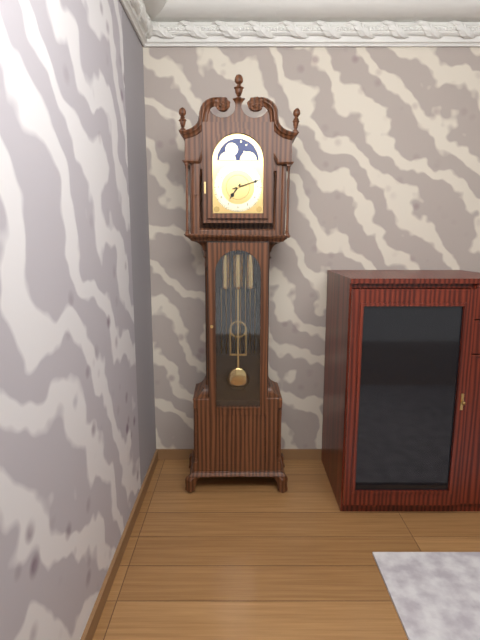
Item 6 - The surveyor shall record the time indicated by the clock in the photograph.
7:12
